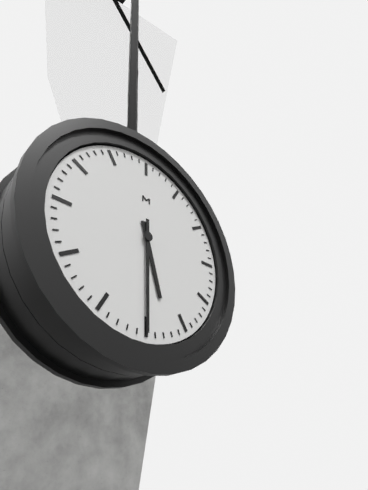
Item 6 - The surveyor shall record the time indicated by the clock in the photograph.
5:30
